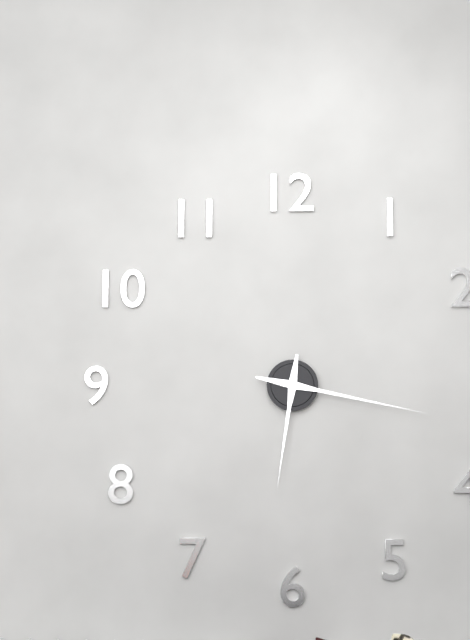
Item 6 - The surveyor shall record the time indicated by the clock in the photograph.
6:17
